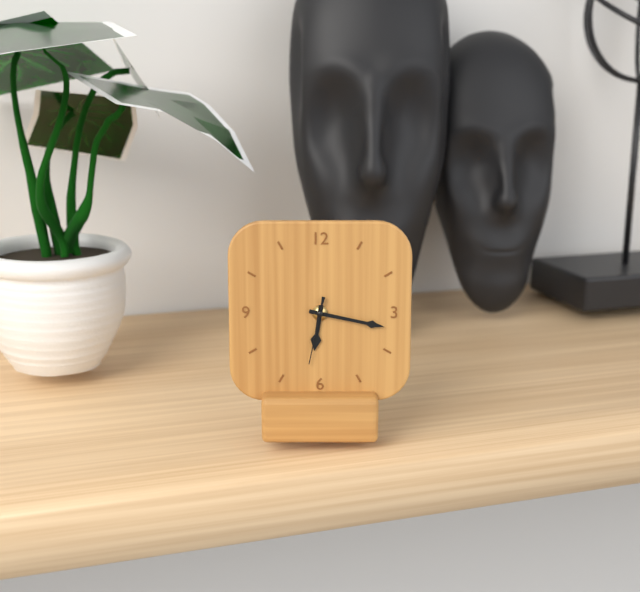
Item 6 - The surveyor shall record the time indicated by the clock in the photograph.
6:17:32
